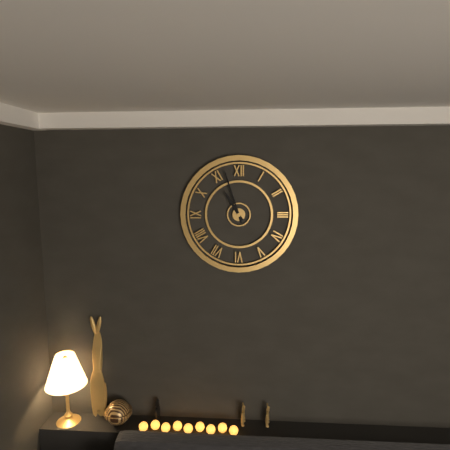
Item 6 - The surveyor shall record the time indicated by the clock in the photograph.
10:57
